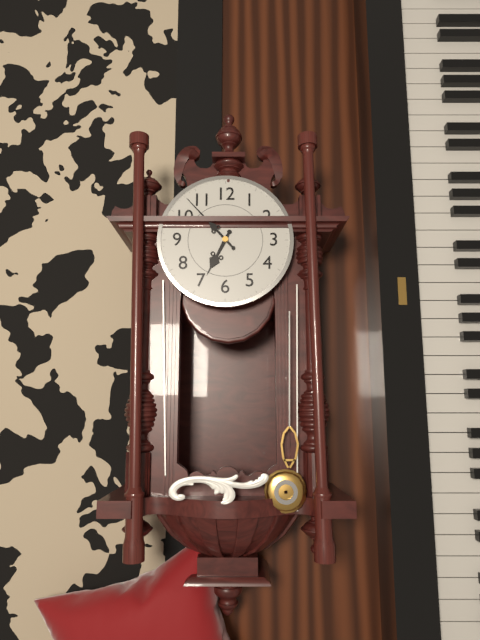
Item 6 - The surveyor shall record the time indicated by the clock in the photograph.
6:53
